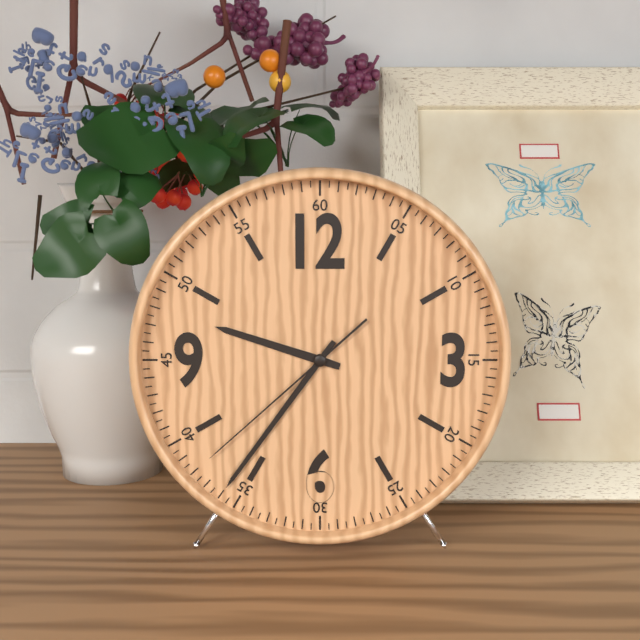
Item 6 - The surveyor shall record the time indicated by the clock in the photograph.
9:36:38
